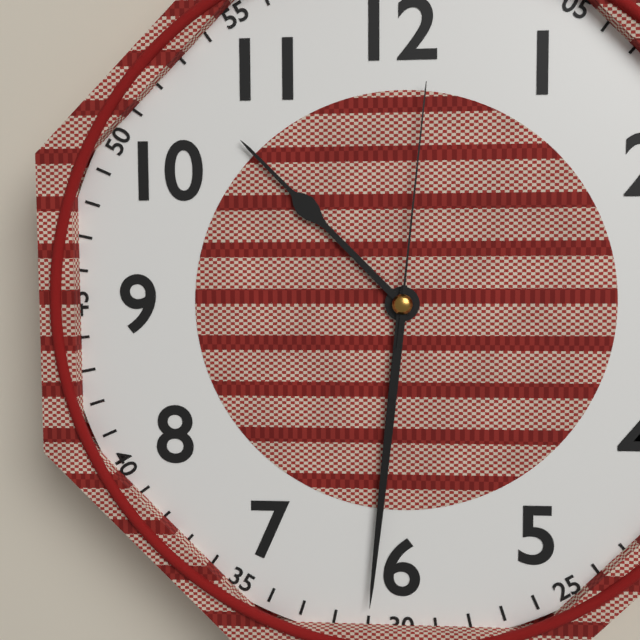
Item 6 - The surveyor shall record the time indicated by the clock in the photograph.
10:31:01
